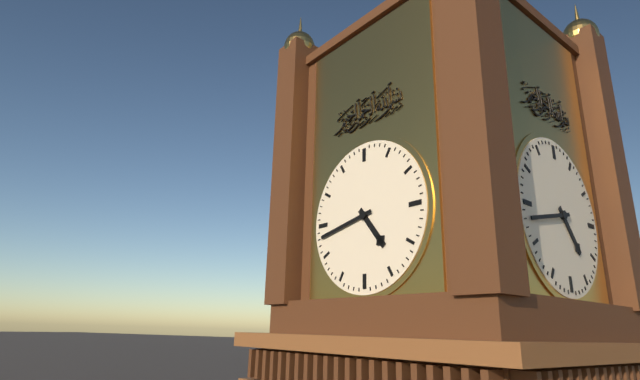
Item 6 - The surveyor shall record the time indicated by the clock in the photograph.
4:43
